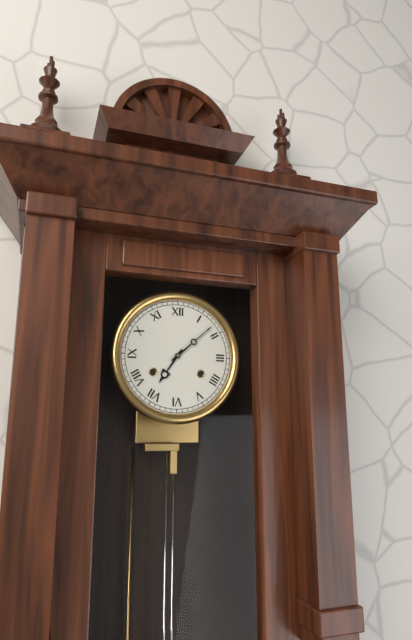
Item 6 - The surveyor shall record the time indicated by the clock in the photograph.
7:08
